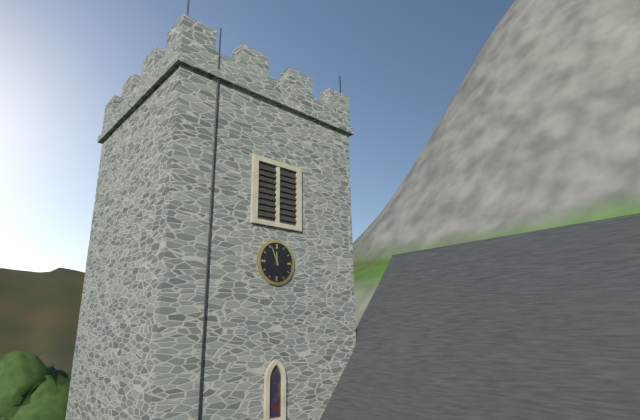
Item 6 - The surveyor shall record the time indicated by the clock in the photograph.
11:56
